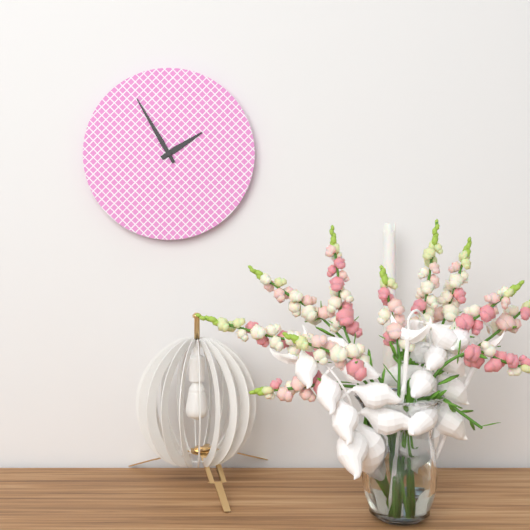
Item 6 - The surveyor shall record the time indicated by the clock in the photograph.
1:55
